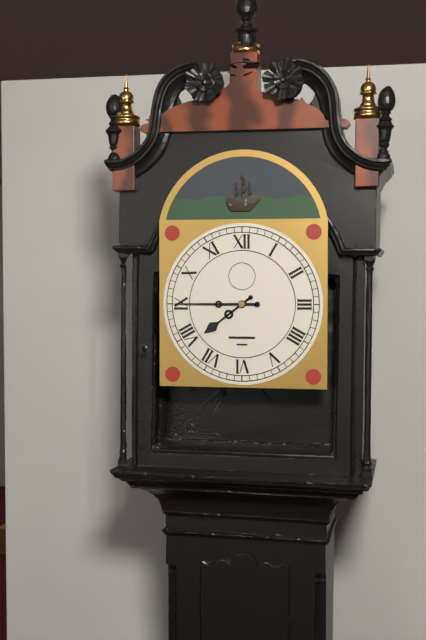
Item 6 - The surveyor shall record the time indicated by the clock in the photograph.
7:45
